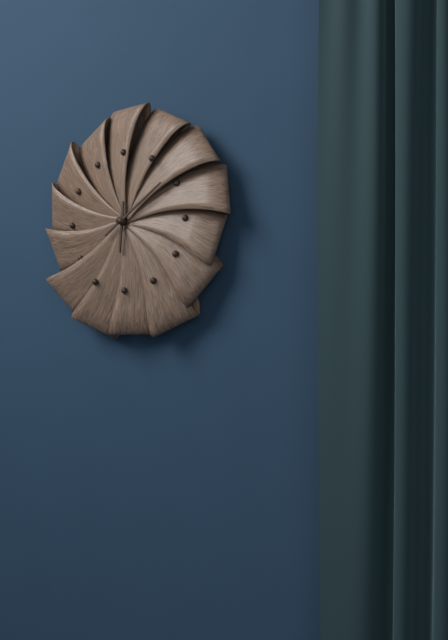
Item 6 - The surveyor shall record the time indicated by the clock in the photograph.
6:09
